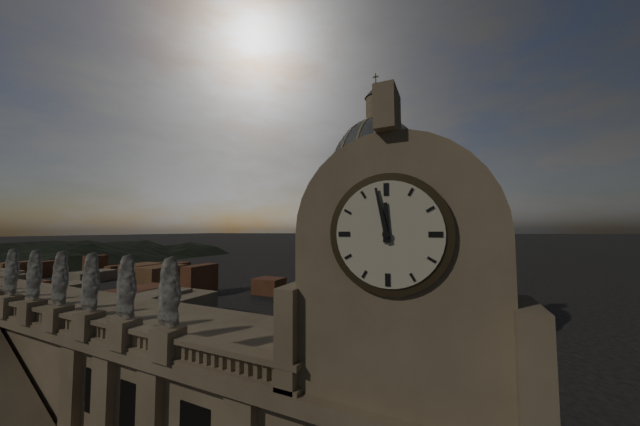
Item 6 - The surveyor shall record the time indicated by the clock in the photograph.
11:58
